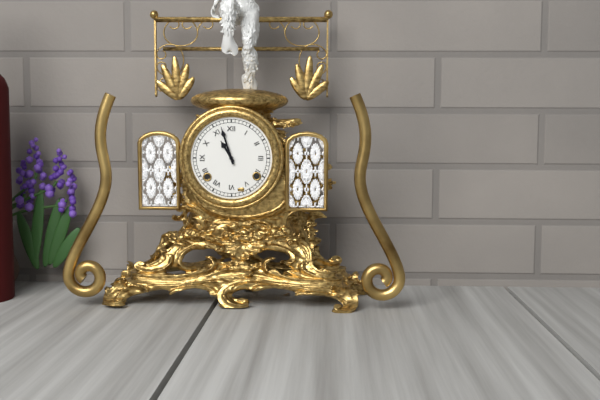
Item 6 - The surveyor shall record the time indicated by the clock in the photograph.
10:57
